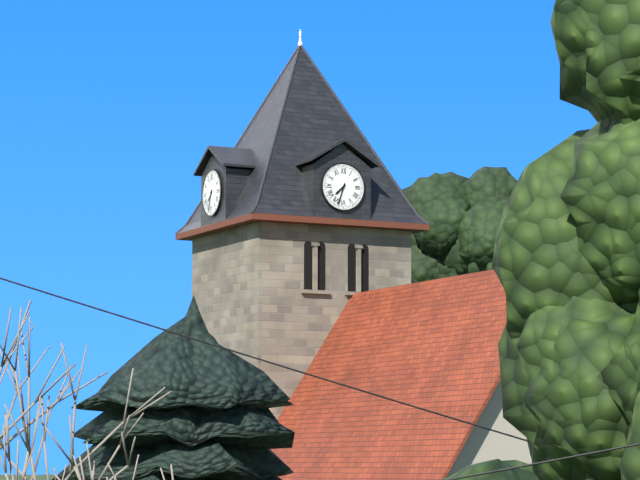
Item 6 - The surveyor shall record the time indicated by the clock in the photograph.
7:33
